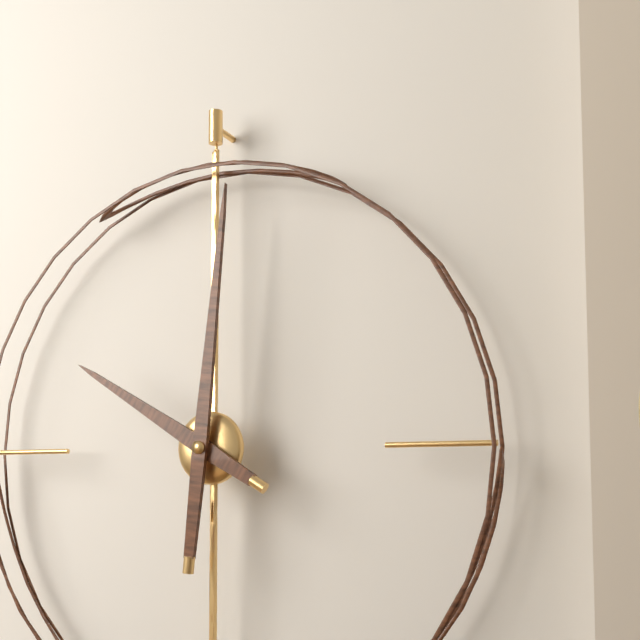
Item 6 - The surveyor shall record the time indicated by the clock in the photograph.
10:01
